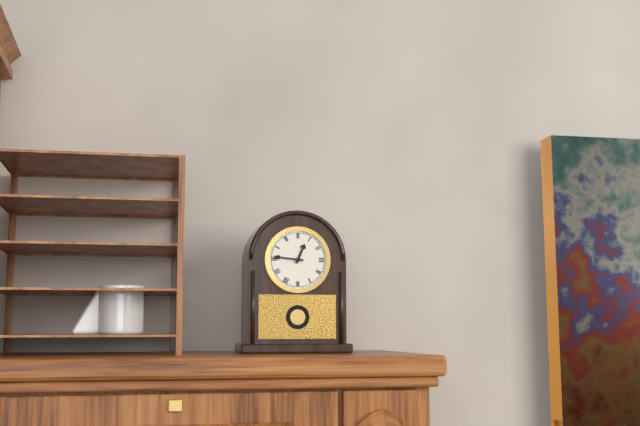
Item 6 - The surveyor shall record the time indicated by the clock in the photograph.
12:46
